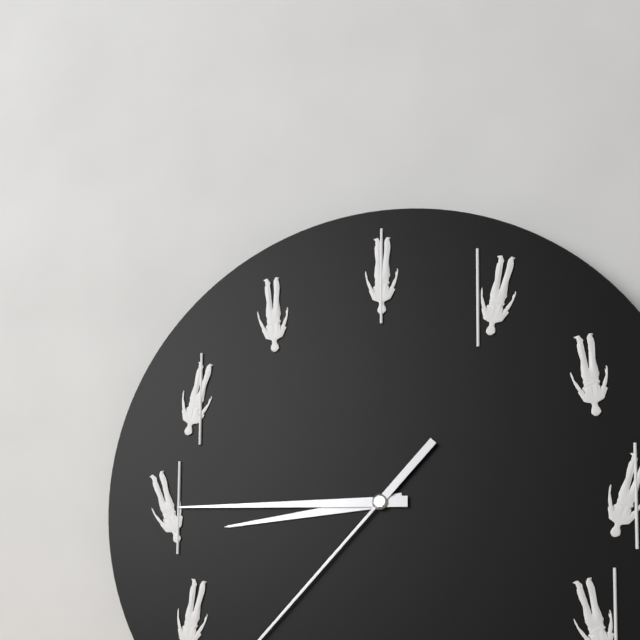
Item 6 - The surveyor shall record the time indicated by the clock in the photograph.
8:45
